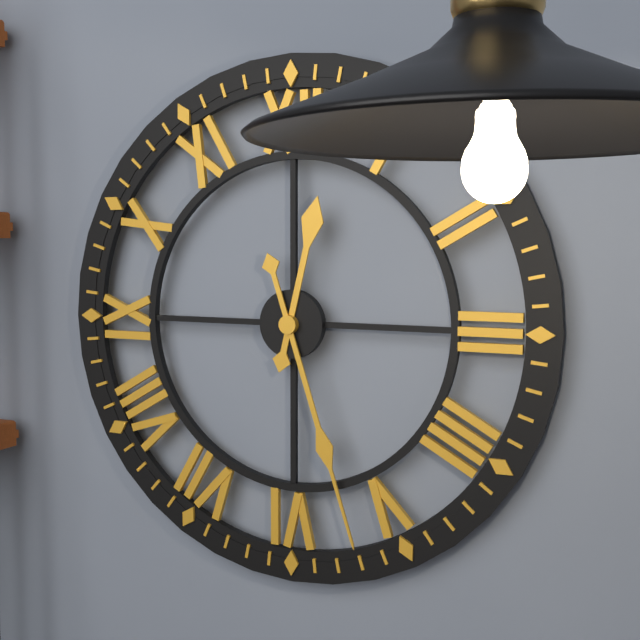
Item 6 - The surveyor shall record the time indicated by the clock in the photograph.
12:27
